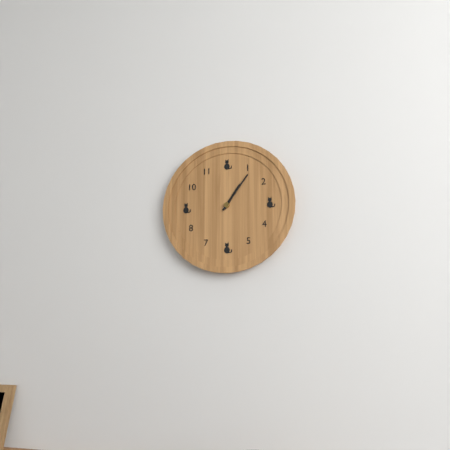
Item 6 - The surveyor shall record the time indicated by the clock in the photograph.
1:06
